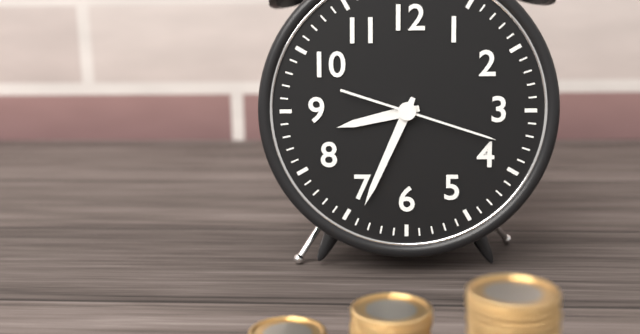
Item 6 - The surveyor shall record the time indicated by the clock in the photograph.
8:34:18
